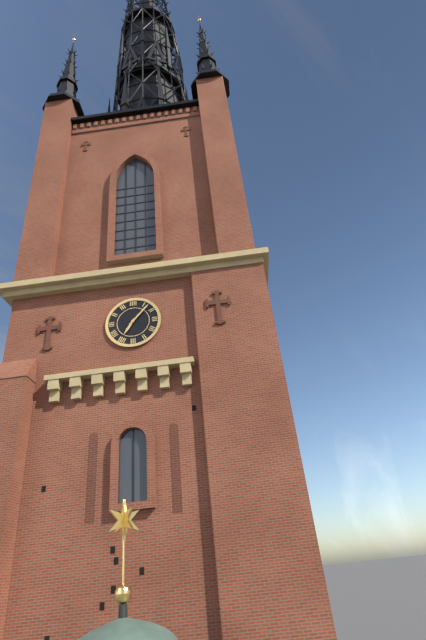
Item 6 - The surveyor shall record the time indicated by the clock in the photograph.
7:07
